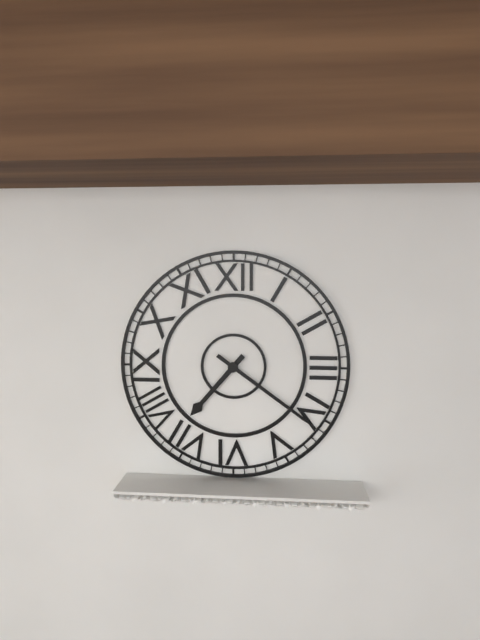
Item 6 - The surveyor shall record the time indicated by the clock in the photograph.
7:21
